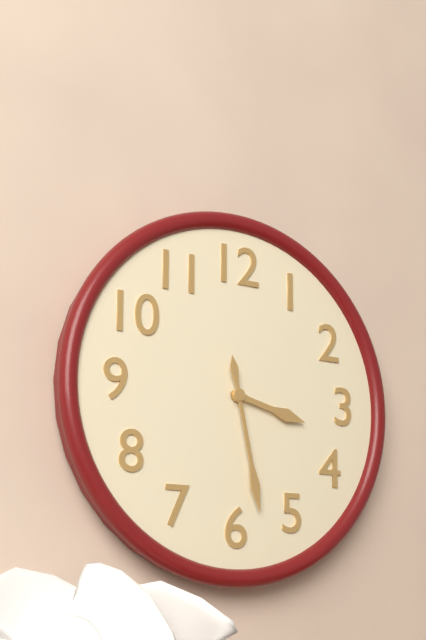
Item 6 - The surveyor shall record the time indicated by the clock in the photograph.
3:28
